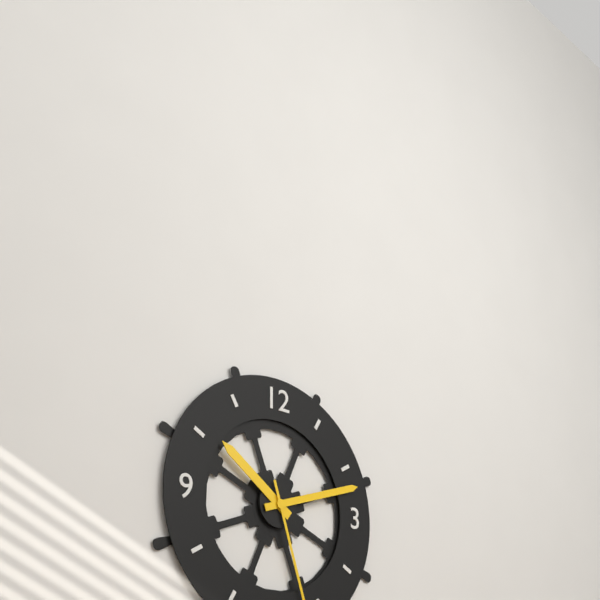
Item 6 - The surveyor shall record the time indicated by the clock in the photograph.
10:12
